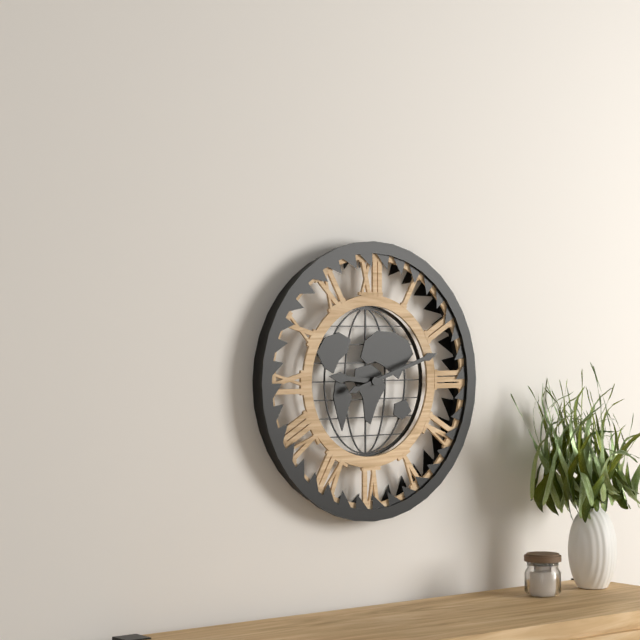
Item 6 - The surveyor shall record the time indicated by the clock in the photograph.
9:12
